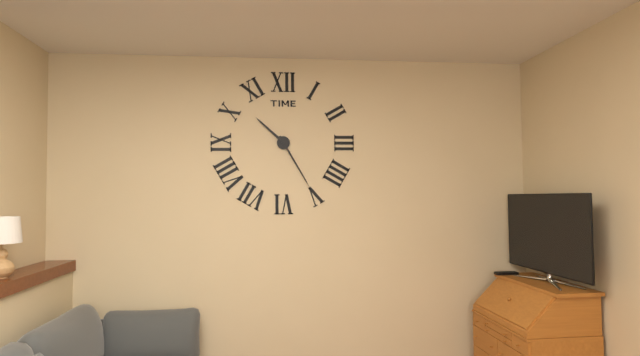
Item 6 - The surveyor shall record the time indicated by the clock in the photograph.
10:25
